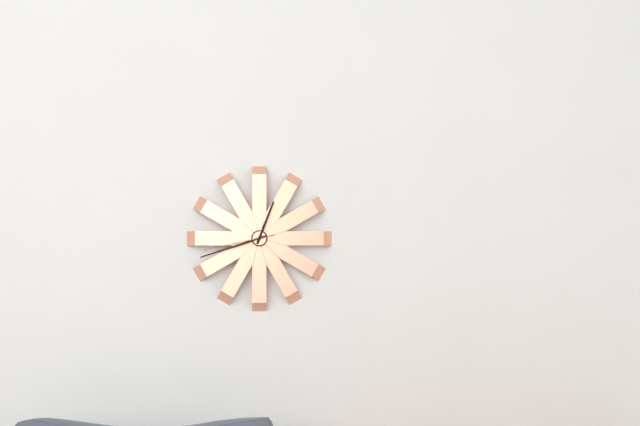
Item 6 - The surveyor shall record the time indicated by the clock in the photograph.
12:42:43
